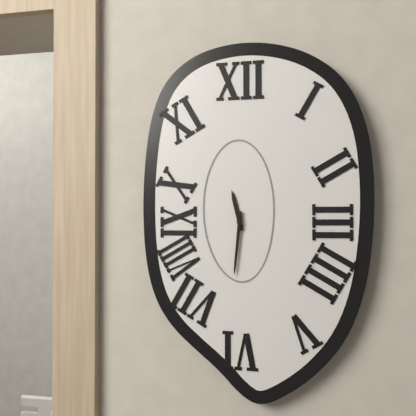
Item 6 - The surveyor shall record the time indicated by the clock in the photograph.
11:31
